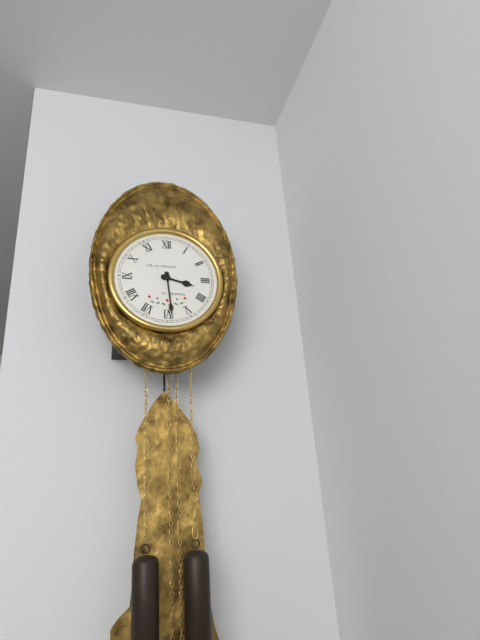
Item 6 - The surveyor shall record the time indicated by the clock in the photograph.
3:29
